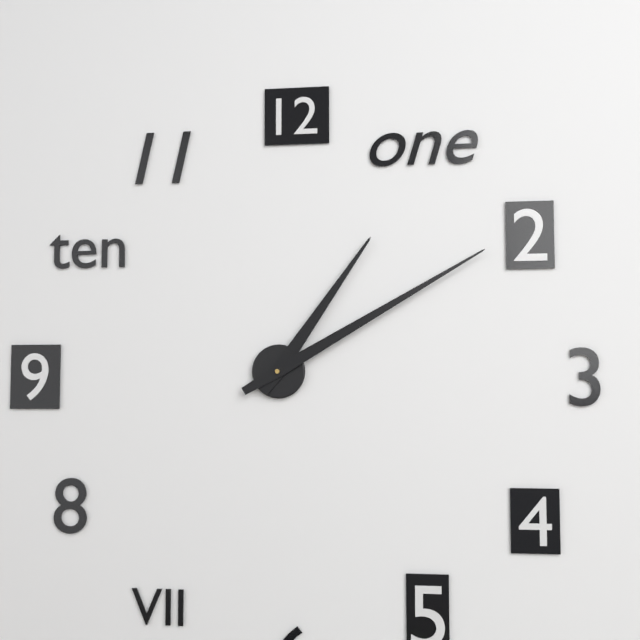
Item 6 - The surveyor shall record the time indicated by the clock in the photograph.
1:10
